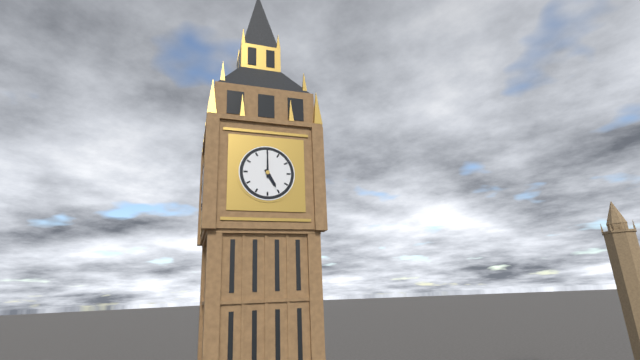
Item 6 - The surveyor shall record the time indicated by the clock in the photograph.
5:00
